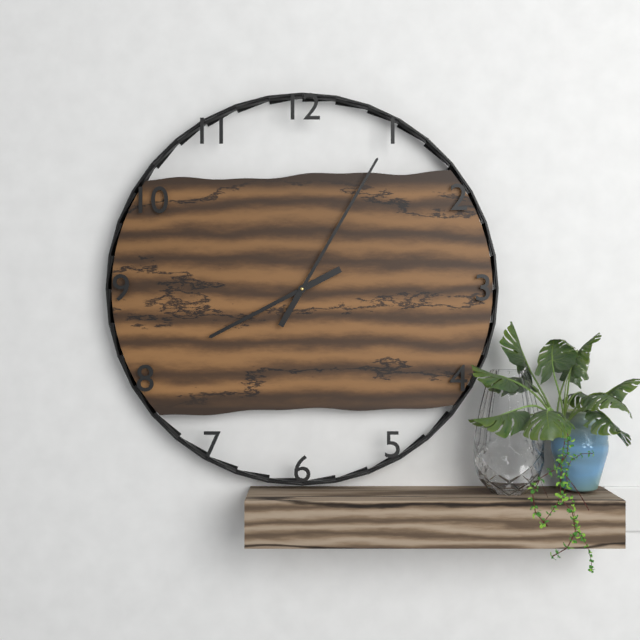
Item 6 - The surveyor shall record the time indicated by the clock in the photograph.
8:05
